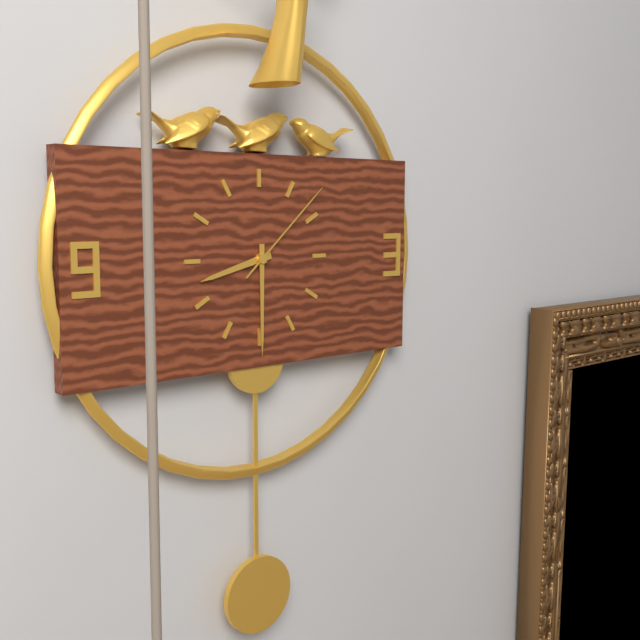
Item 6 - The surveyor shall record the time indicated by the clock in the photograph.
8:30:08
